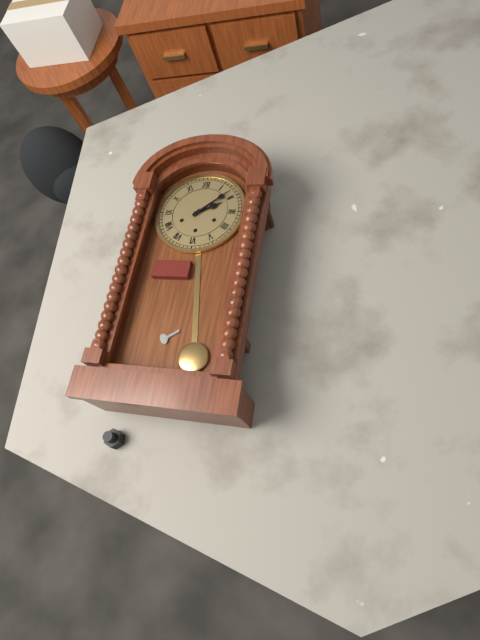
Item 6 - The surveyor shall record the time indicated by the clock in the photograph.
2:08
